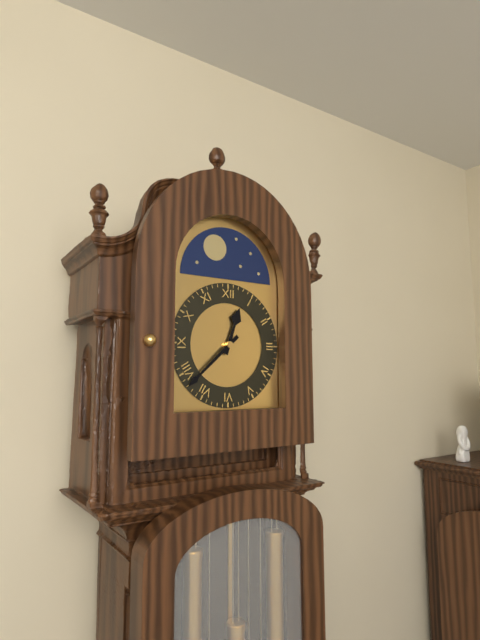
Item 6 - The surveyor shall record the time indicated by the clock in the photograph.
12:38
